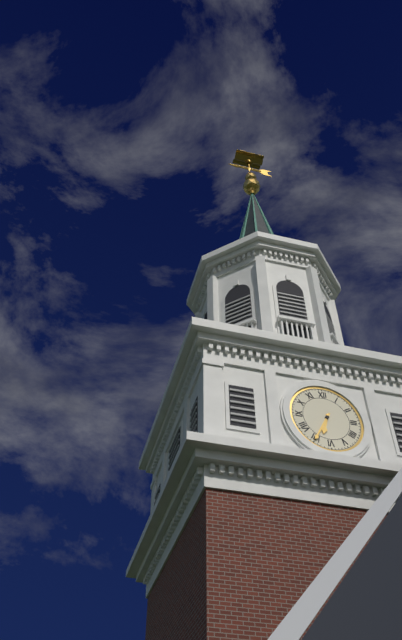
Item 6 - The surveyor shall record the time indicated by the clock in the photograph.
6:35
